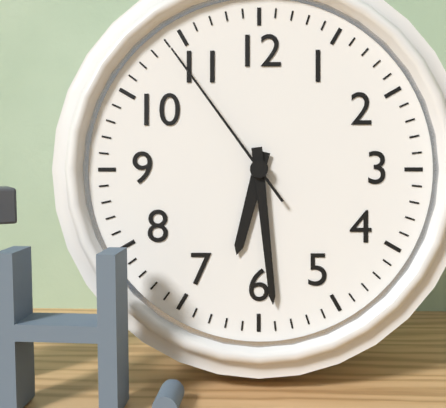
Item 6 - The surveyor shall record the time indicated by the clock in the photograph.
6:29:54
